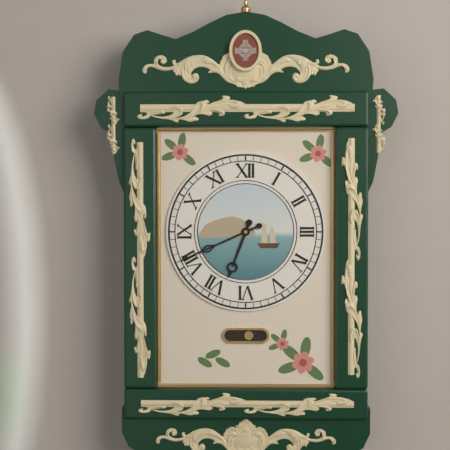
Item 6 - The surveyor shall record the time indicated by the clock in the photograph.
6:41
